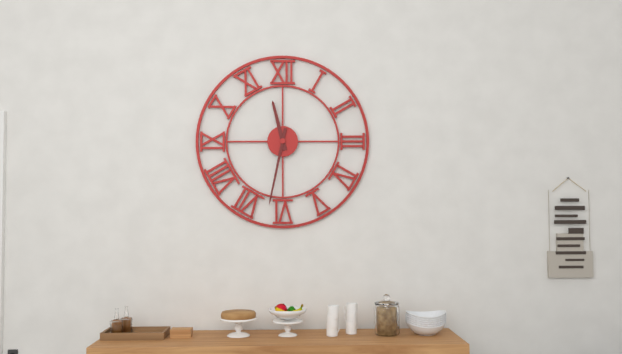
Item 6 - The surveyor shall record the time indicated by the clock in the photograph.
11:32
